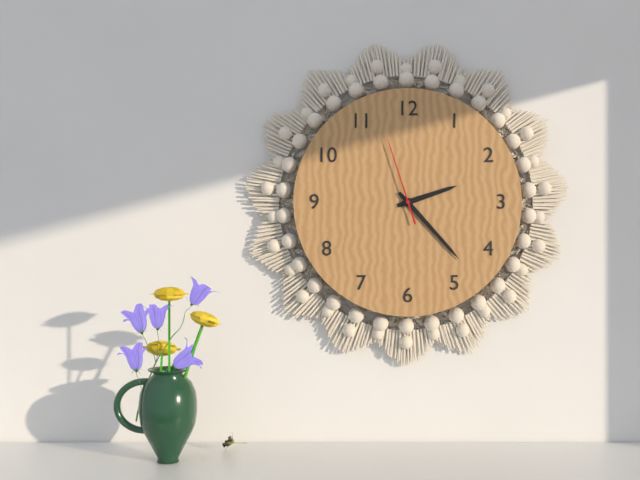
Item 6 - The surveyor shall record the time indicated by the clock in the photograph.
2:23:57
